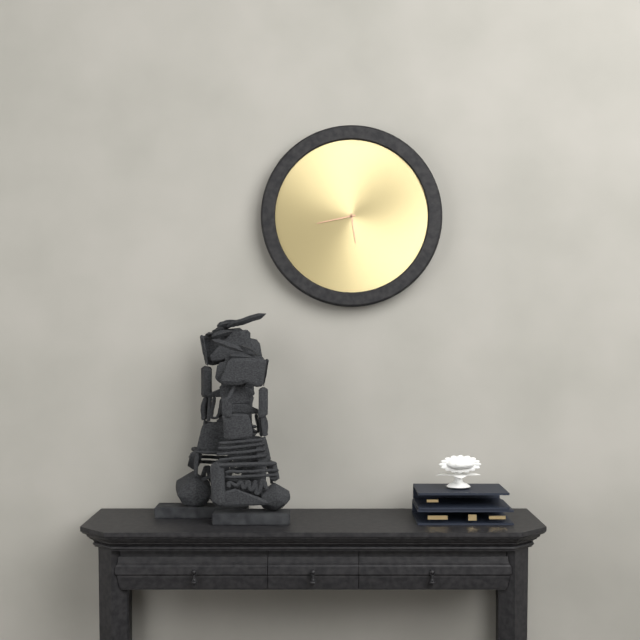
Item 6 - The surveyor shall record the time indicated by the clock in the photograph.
5:43
